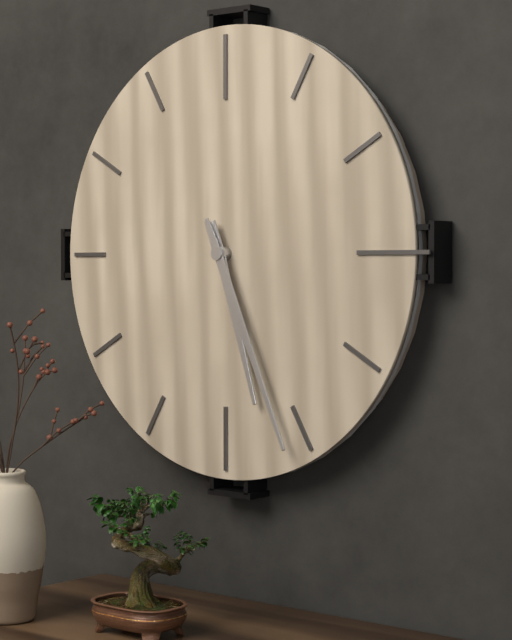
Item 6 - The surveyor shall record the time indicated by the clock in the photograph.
5:26
